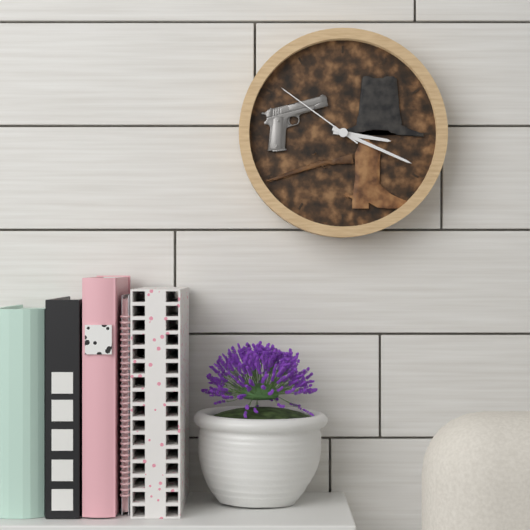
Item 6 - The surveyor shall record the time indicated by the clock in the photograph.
3:19:51
